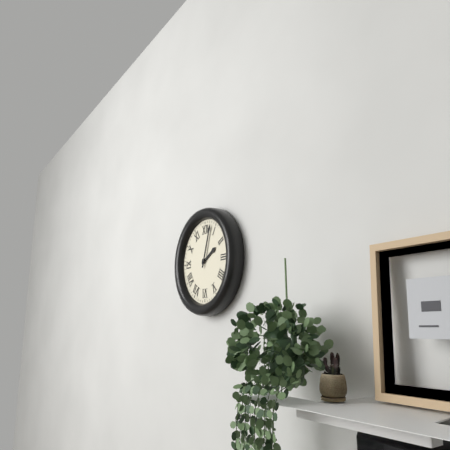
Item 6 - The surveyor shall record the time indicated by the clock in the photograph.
2:03
